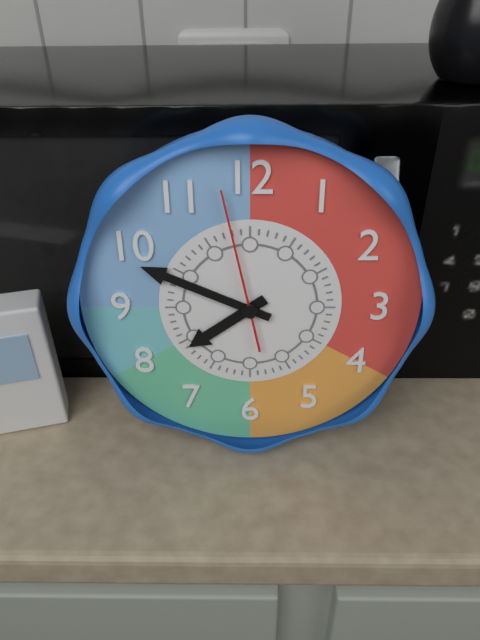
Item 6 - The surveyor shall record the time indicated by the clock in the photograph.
7:49:58
